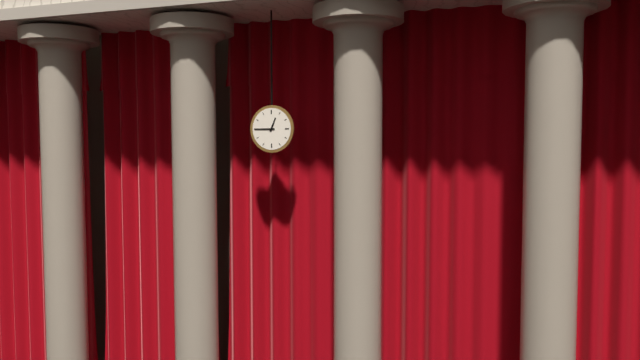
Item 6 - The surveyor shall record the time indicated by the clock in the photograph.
12:45
